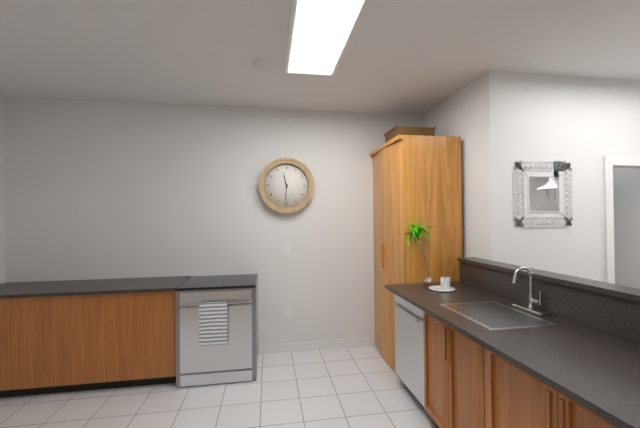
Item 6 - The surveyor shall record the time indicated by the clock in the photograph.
11:31
